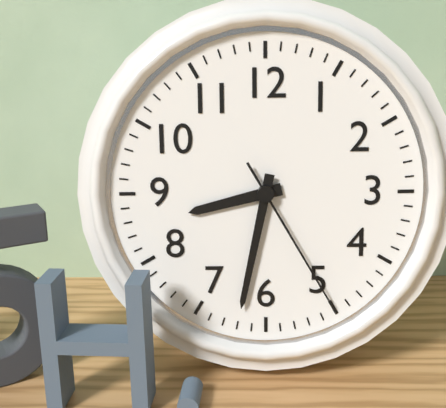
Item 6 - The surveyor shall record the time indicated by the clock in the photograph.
8:32:25
